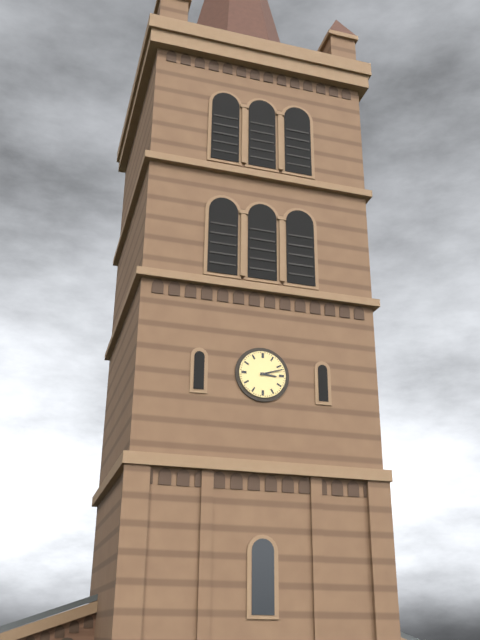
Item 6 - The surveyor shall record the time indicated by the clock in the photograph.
3:12
